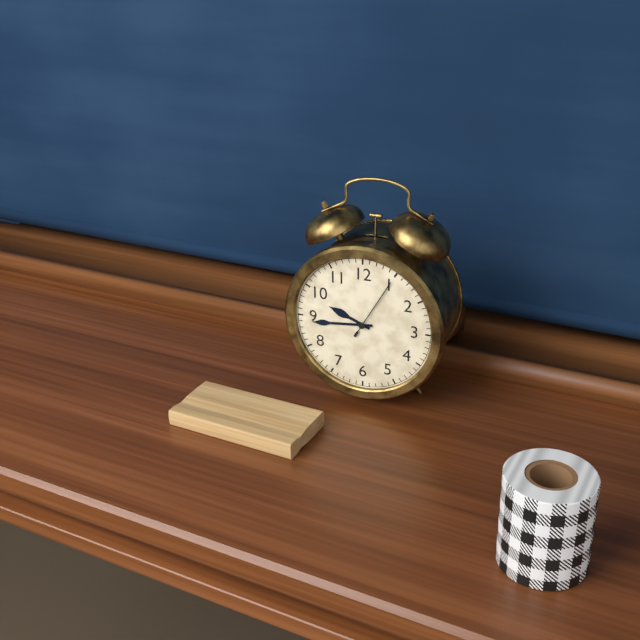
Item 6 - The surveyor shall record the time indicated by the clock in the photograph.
9:44:05
